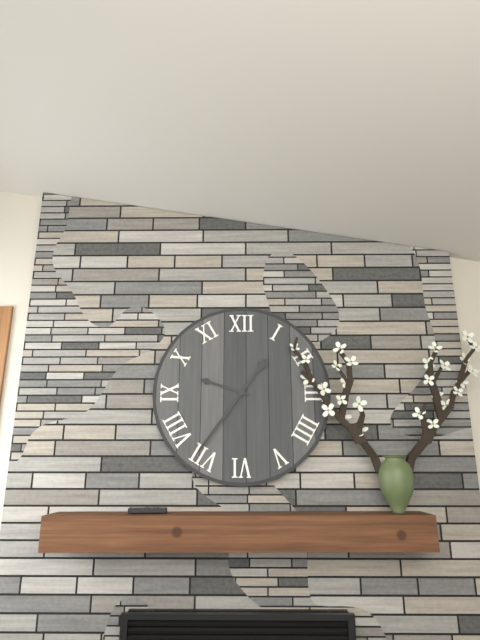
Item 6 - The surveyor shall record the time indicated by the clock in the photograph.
9:36
